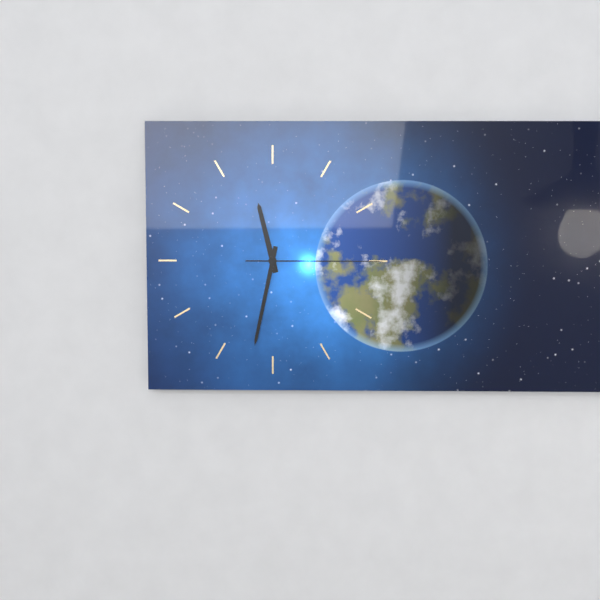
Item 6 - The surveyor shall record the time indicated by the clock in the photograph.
11:32:15
